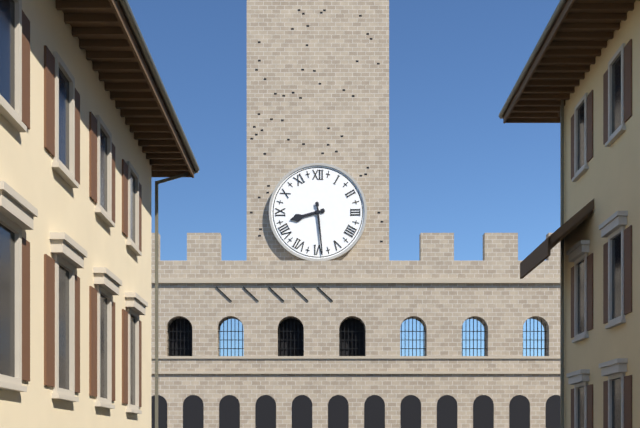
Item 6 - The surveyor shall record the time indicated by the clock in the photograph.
8:29
